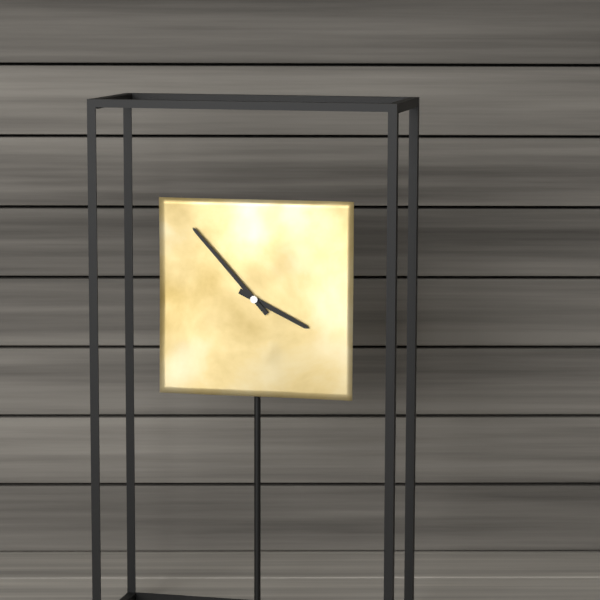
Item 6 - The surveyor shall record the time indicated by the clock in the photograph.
3:53
